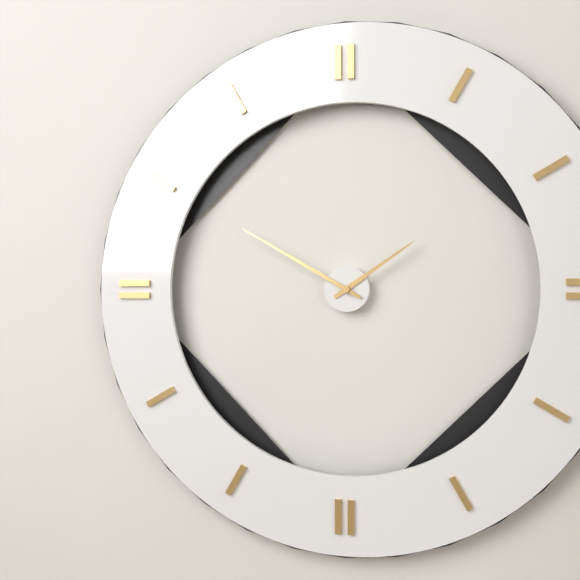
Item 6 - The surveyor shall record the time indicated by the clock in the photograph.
1:50
